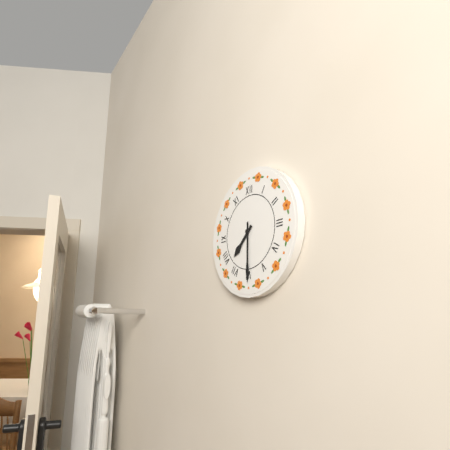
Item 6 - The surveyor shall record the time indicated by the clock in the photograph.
7:30
